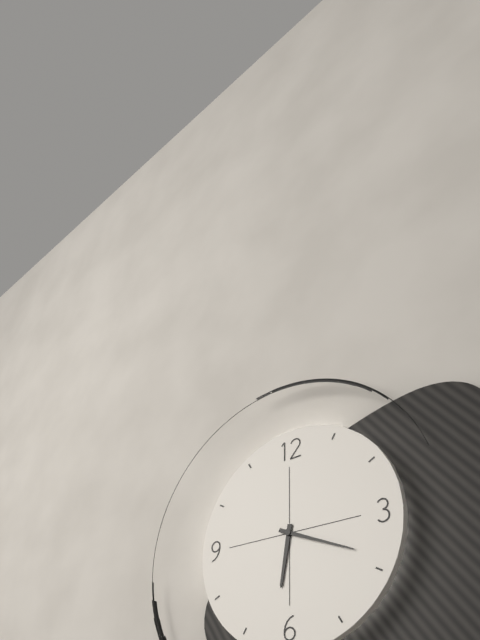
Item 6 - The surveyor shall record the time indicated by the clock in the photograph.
6:19
